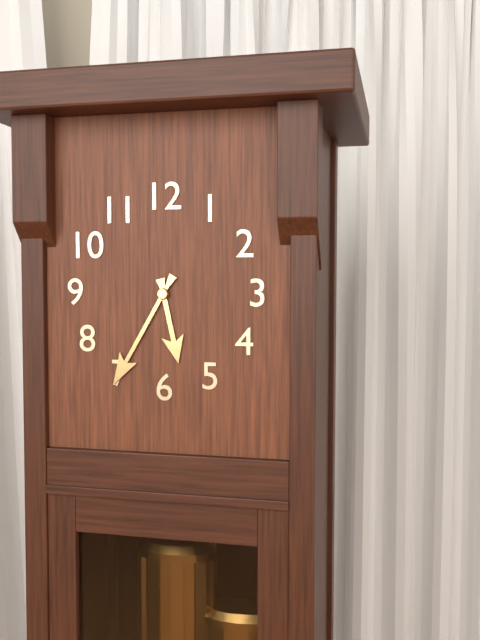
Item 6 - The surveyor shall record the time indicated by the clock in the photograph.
5:35
